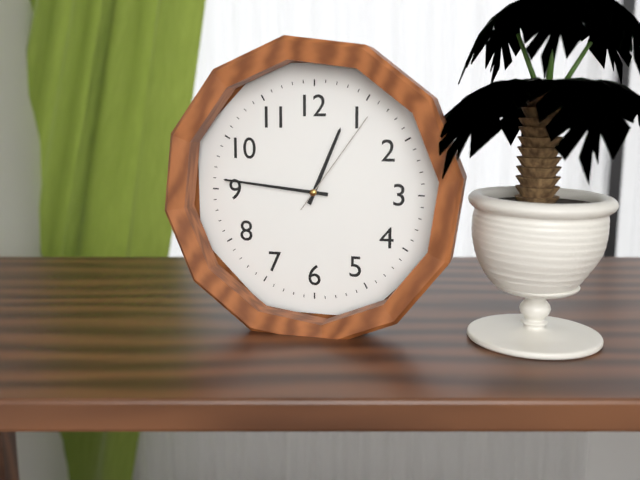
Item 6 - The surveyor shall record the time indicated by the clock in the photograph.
12:46:06
